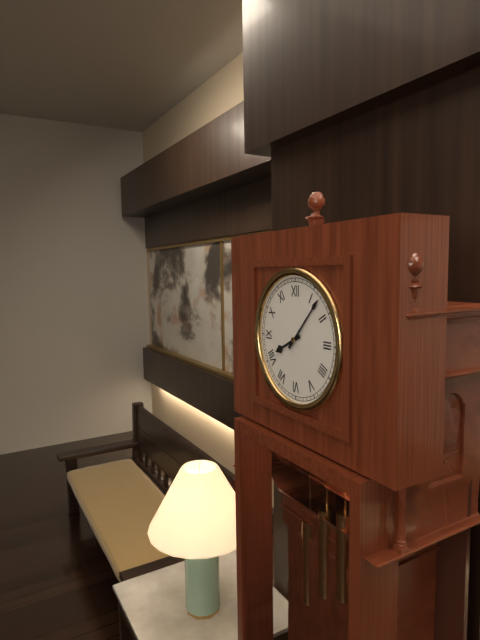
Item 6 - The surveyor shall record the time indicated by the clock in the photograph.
8:07
